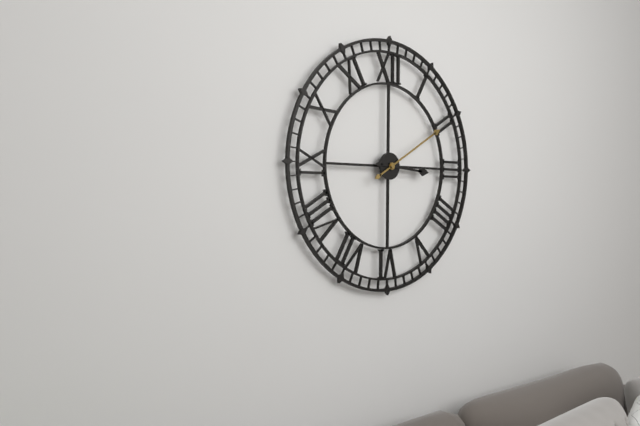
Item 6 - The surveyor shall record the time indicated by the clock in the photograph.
3:10
